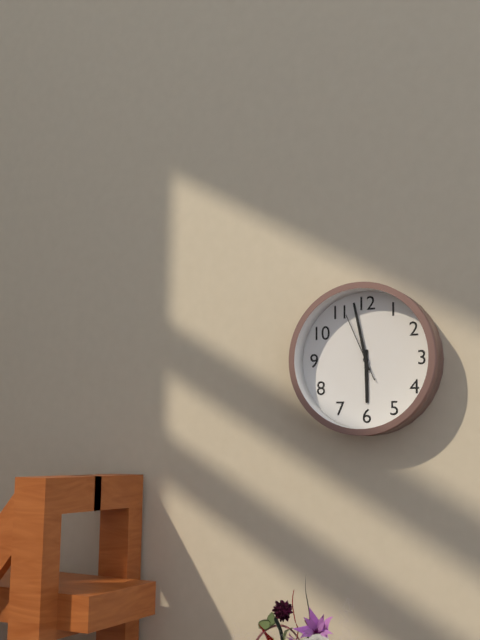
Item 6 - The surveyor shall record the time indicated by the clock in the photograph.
5:58:56
